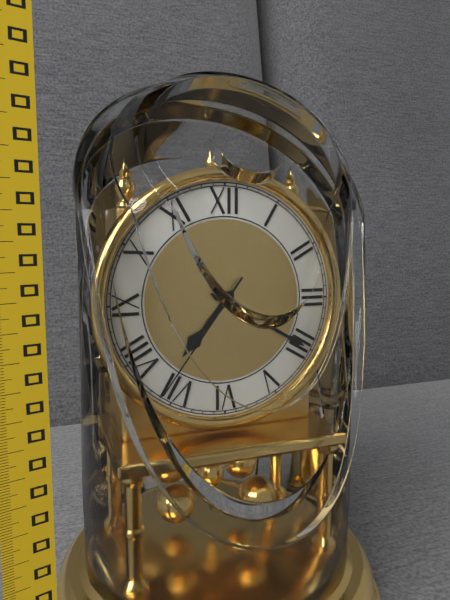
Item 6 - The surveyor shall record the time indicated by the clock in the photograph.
7:20:36
